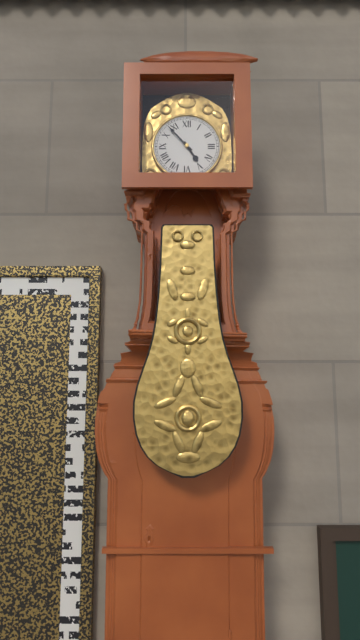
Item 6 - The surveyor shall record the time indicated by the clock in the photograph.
4:53
